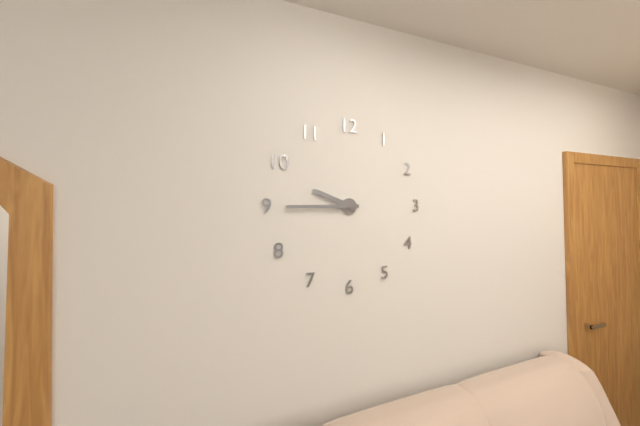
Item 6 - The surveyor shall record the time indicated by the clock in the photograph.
9:45
